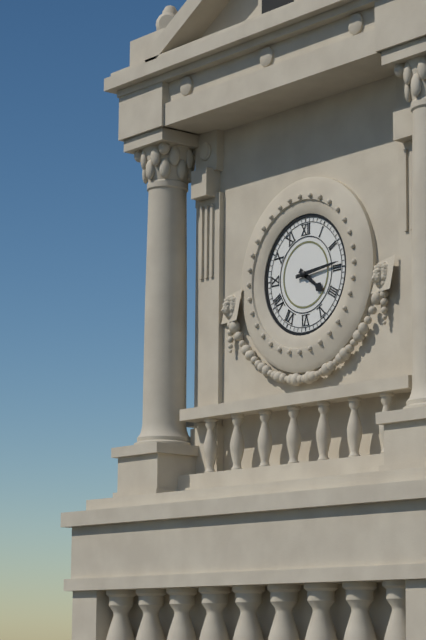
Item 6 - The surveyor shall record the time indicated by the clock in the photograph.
4:14
